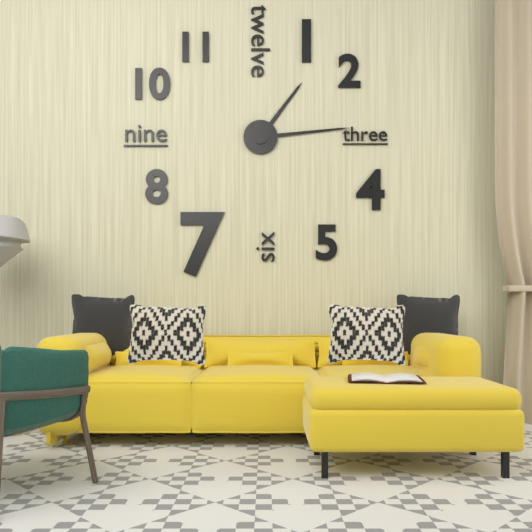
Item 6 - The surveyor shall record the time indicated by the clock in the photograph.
1:14
